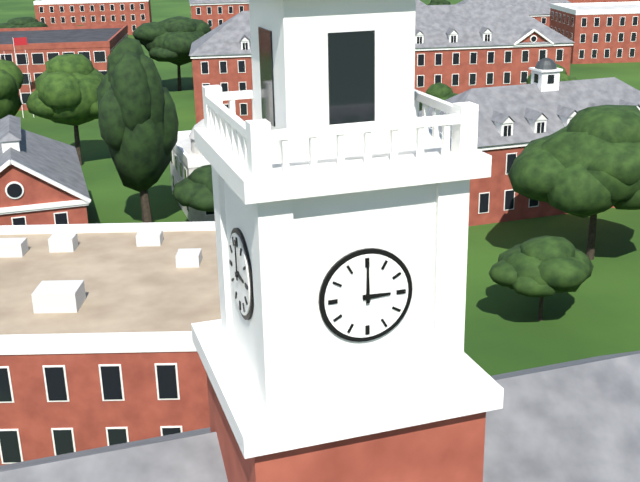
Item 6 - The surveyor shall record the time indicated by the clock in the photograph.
3:00
